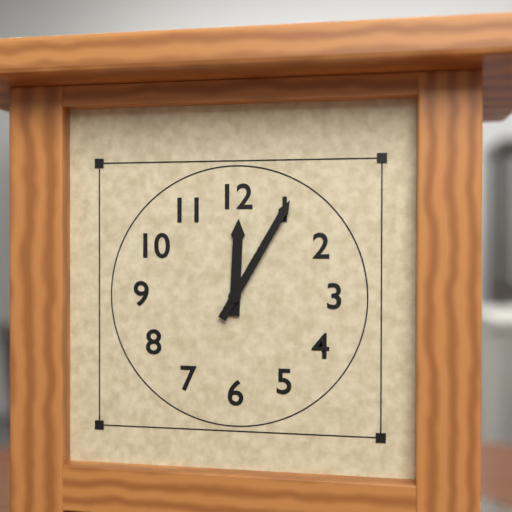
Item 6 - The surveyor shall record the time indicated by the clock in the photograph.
12:05
